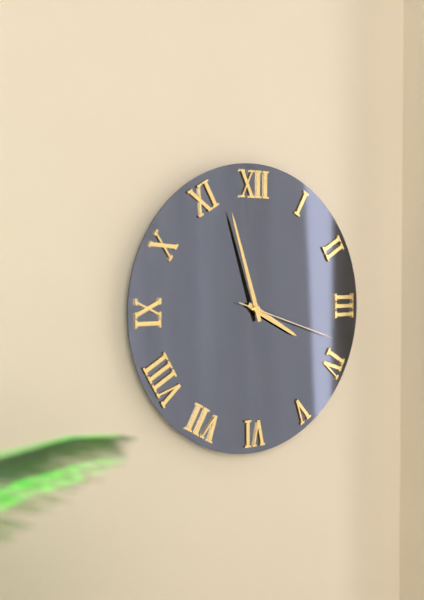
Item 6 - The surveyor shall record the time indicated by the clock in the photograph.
3:57:18
